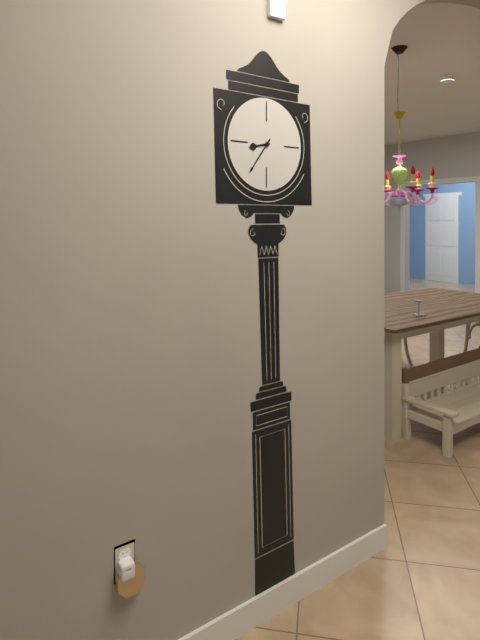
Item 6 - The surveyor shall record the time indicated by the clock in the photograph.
8:36
